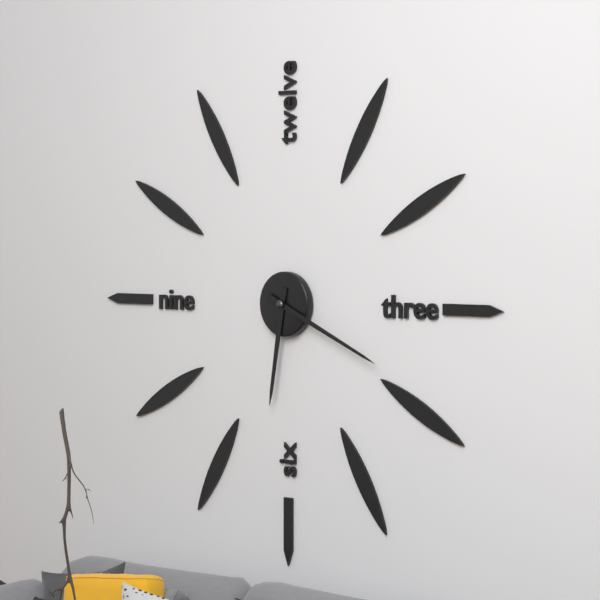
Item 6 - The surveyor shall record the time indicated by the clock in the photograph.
6:19
